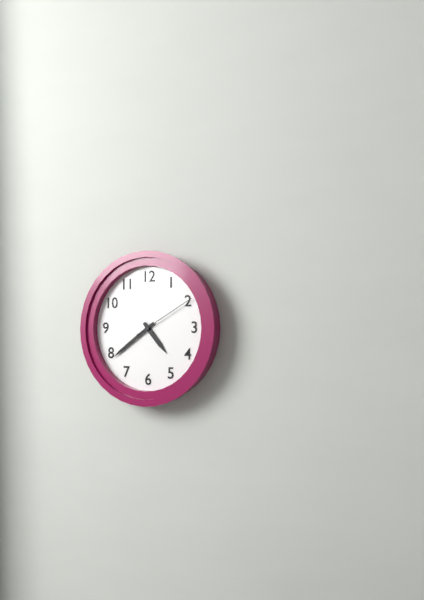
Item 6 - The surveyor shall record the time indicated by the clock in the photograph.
4:39:10
